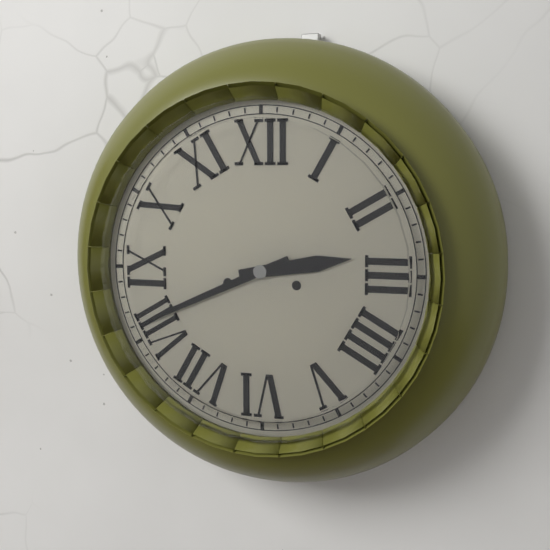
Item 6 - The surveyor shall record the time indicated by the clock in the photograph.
2:41
